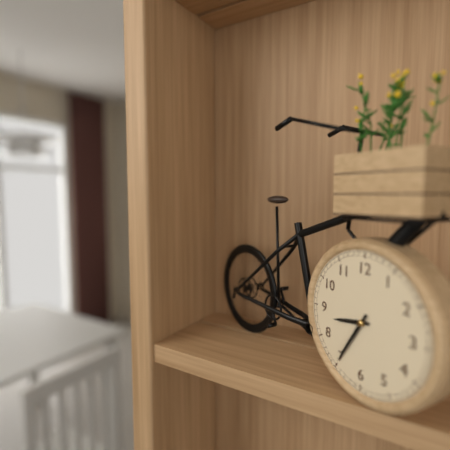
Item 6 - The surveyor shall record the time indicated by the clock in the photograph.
8:35
